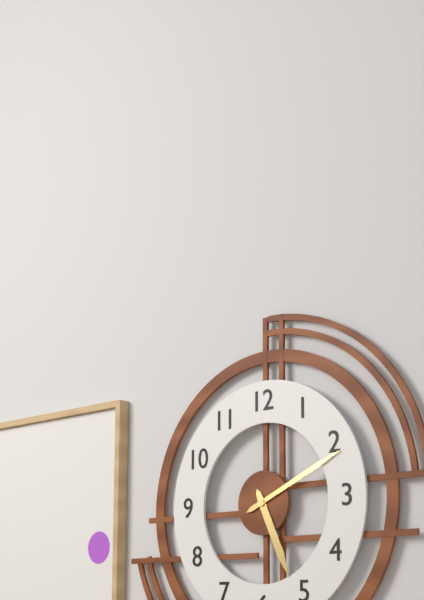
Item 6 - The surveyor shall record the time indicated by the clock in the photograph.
5:11
